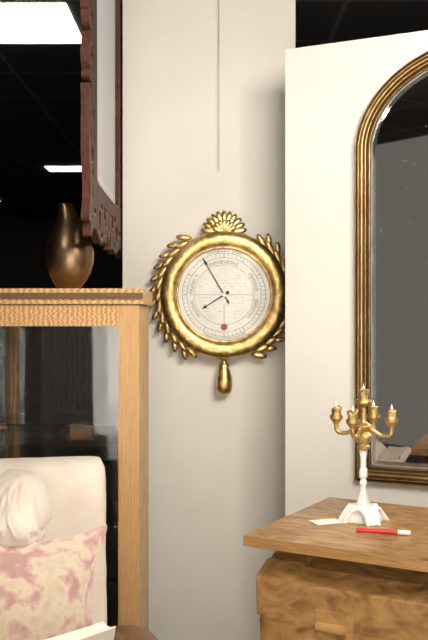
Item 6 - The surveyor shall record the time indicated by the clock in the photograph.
7:55
